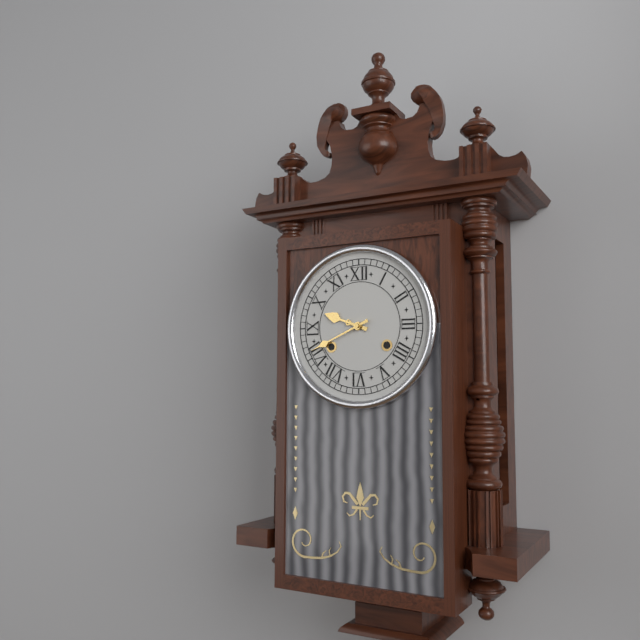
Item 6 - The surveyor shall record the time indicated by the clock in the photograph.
9:41
